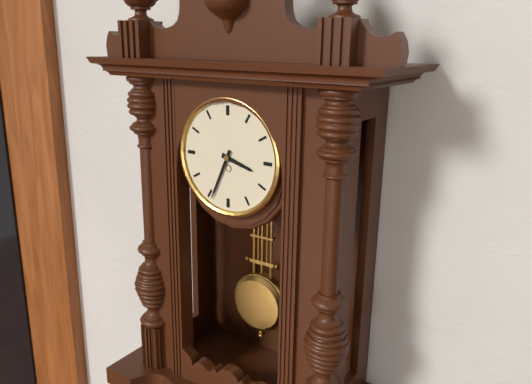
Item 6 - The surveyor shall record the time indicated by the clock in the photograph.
3:34
